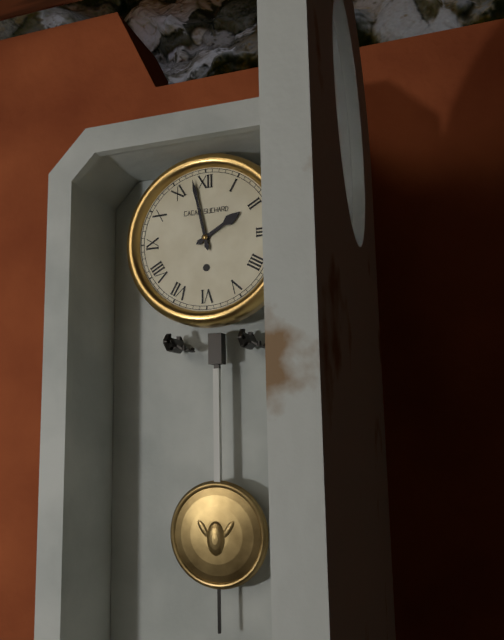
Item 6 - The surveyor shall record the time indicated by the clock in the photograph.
1:58
